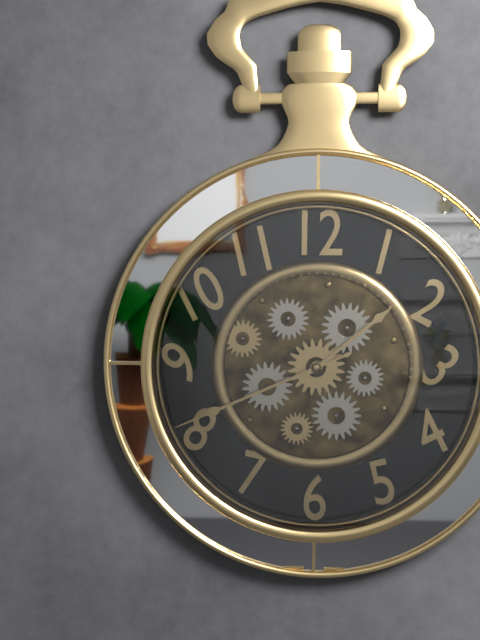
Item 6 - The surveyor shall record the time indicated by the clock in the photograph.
1:41
